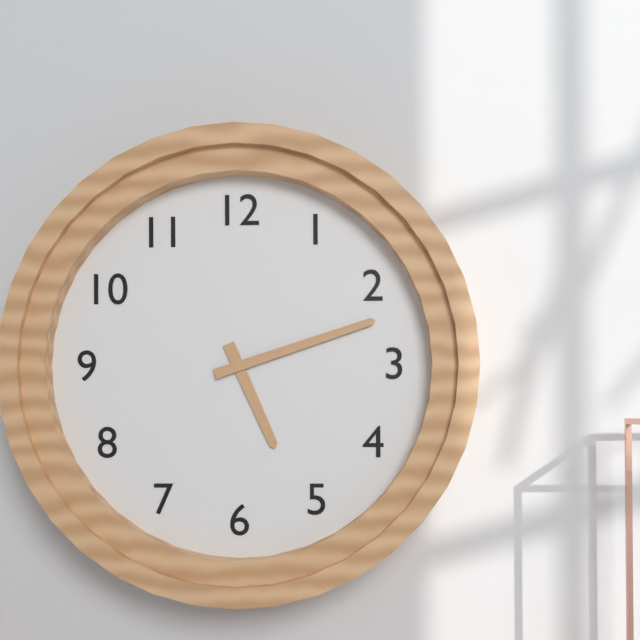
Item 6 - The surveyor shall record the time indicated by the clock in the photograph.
5:12
